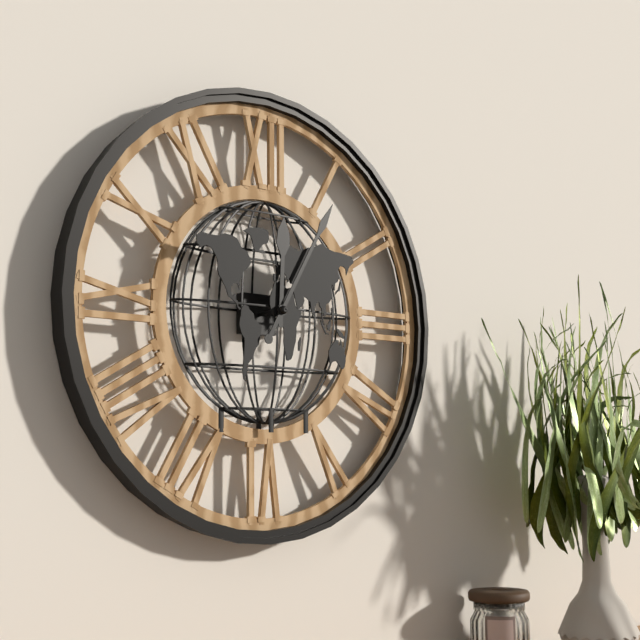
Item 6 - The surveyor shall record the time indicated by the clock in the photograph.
12:05
